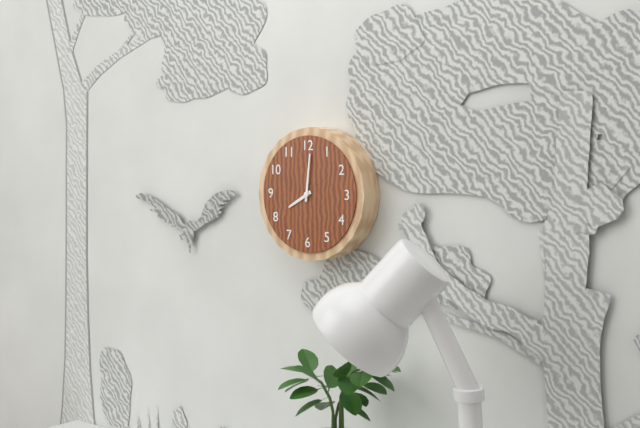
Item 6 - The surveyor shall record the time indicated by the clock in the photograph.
8:01
